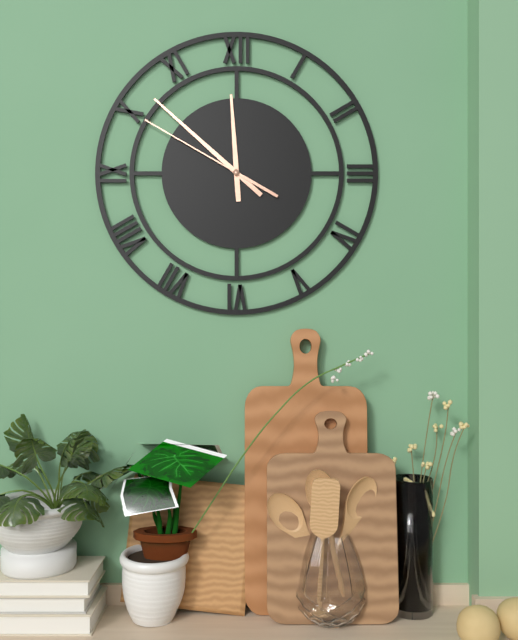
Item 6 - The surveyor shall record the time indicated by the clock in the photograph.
11:52:50
